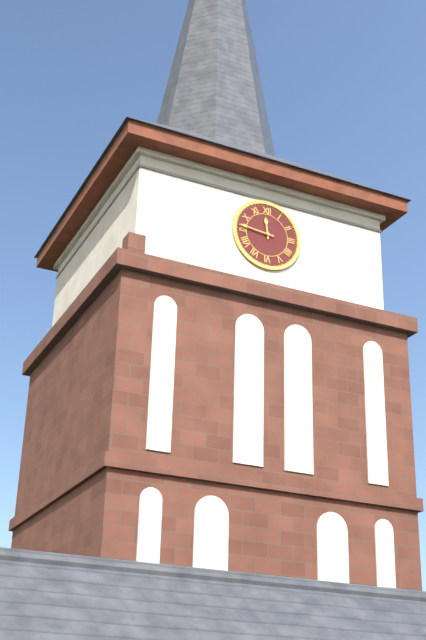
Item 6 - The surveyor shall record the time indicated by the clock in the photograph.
11:46
